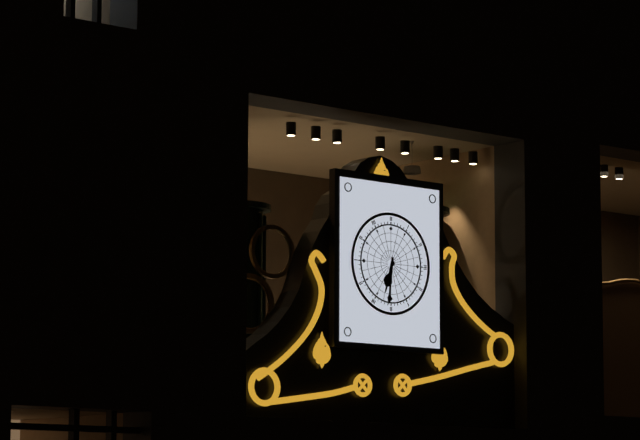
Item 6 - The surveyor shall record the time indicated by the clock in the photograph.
6:31
